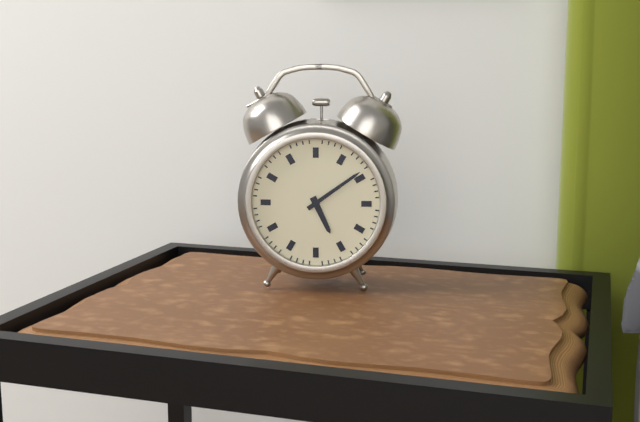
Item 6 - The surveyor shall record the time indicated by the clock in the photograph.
5:09
